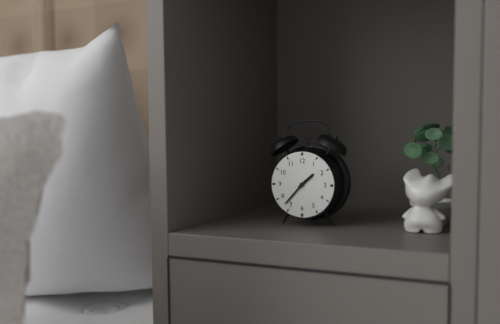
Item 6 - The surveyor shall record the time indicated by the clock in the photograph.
1:37
